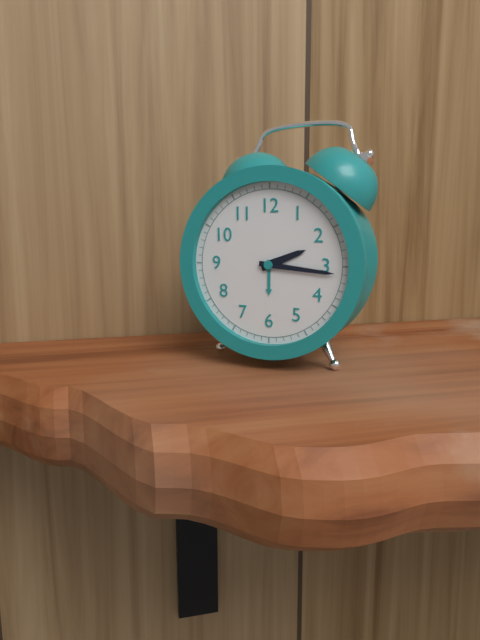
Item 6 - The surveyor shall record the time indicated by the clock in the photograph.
2:16
